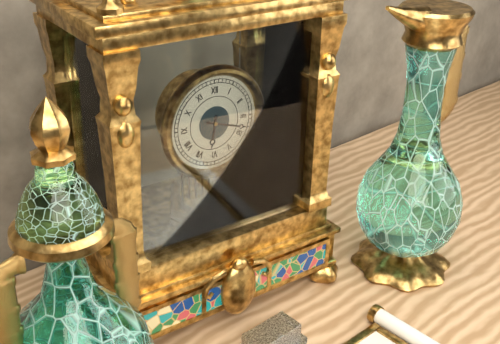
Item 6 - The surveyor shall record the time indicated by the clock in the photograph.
6:18
